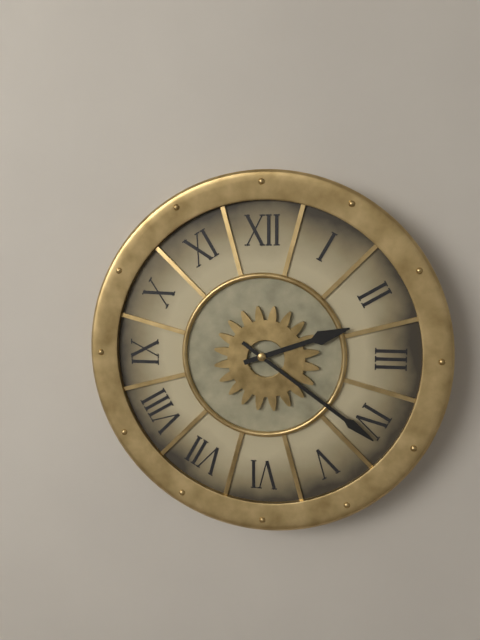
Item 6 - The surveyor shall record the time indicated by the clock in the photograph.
2:21
